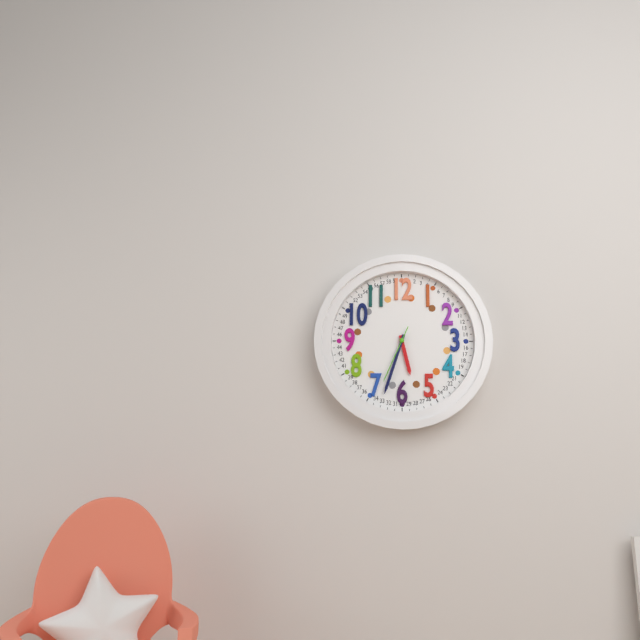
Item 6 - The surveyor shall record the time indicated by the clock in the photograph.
5:33:34
